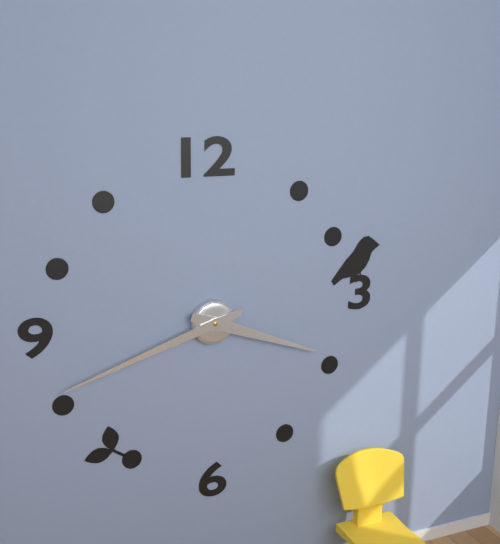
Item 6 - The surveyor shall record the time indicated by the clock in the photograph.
3:42
